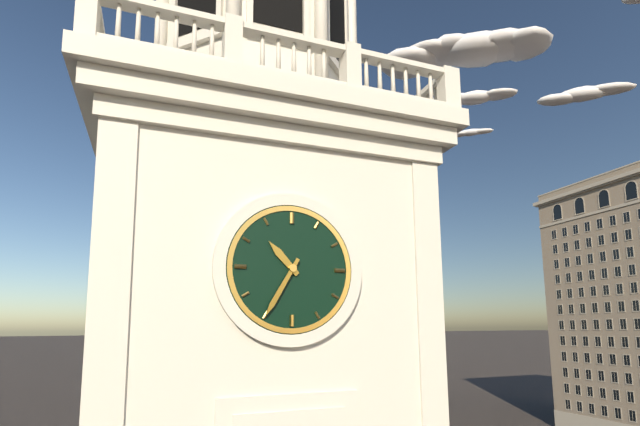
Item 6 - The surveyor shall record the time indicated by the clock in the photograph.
10:35
